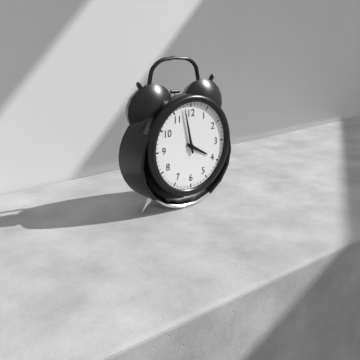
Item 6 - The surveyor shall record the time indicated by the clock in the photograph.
3:58
